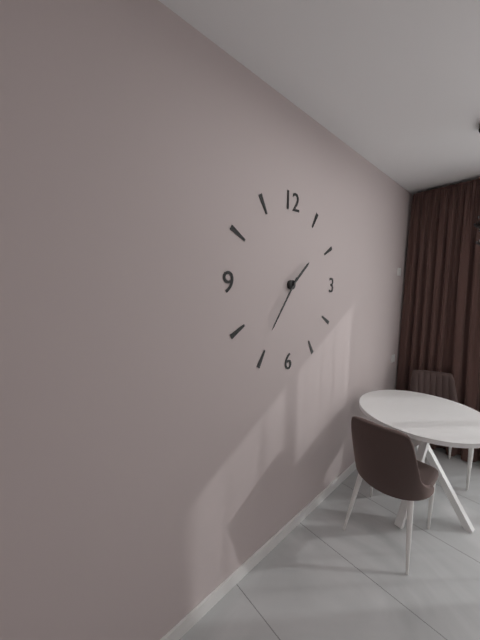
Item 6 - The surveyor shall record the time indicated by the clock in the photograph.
1:36
